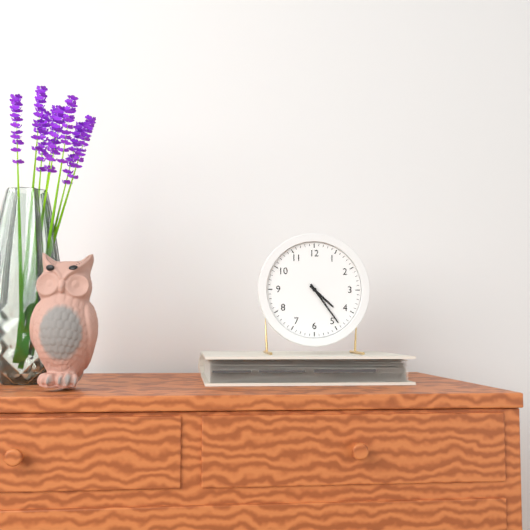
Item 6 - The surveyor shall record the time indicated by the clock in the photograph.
4:24
